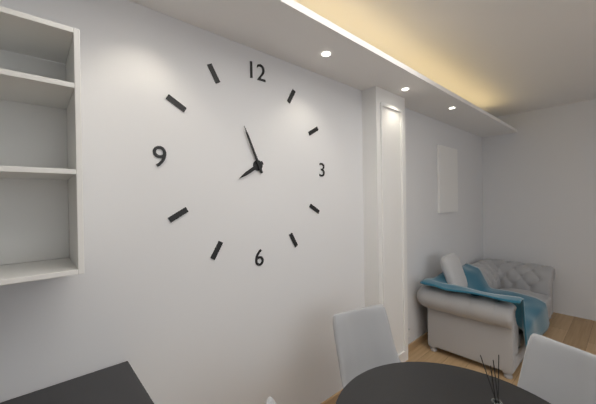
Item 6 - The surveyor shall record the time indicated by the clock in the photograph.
7:56
